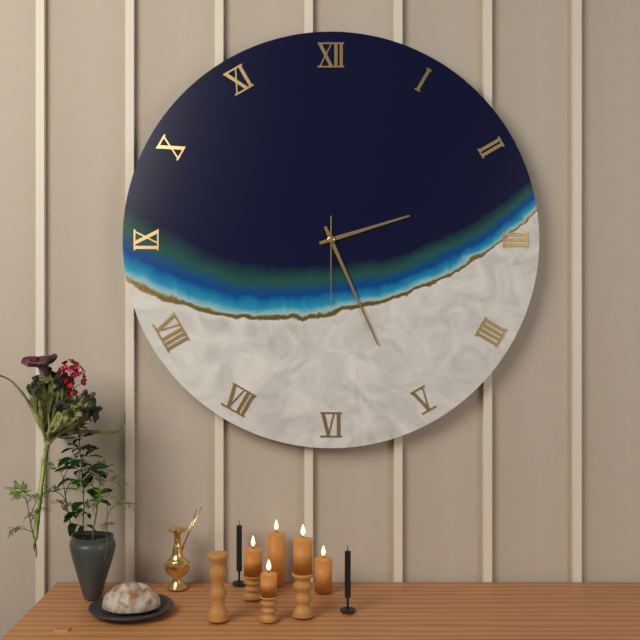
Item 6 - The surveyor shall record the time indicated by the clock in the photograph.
2:26:30
